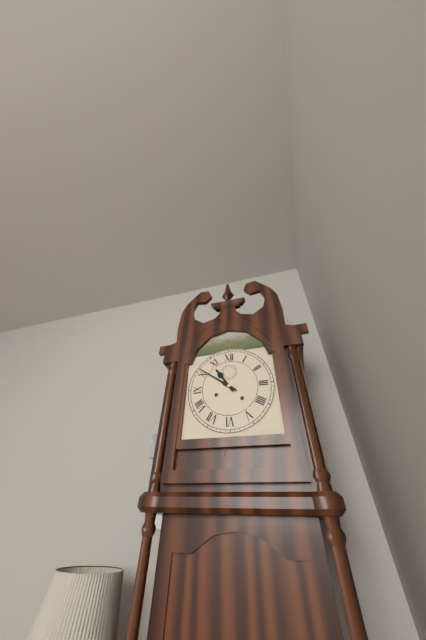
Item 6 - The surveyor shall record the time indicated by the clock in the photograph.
10:51
